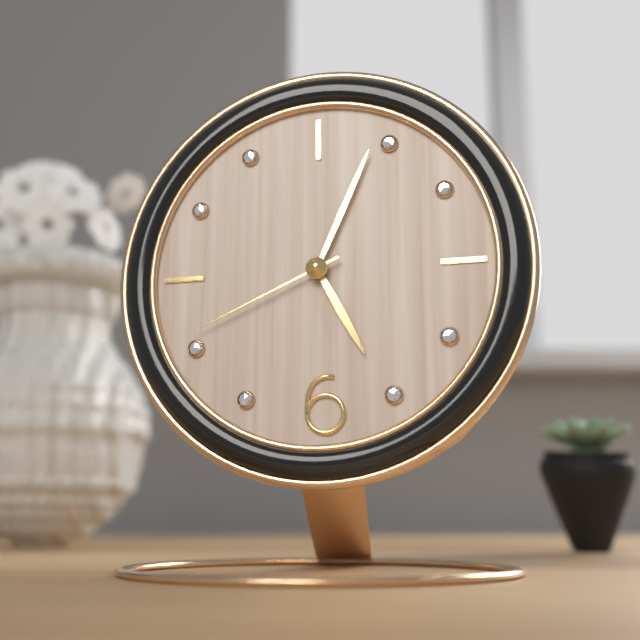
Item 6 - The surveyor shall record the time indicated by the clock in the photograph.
5:04:41
